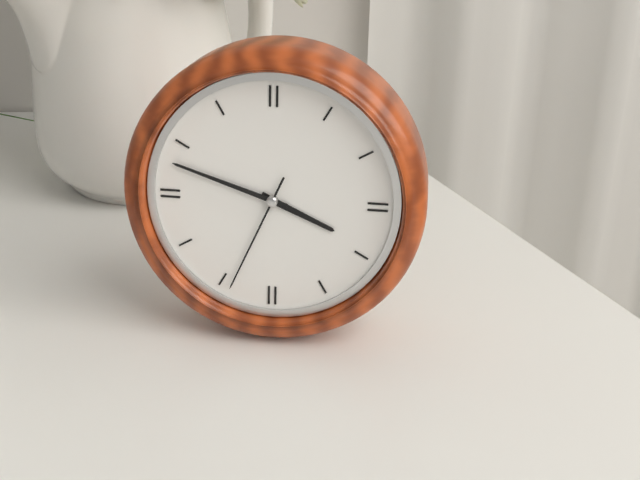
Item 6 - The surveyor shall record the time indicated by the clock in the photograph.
3:48:34
